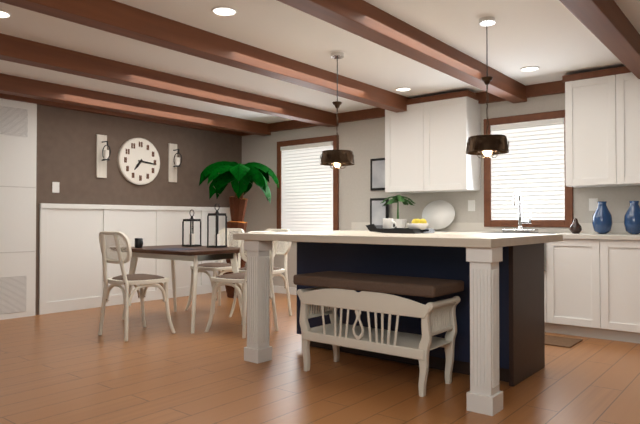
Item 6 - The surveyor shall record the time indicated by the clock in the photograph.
7:16
